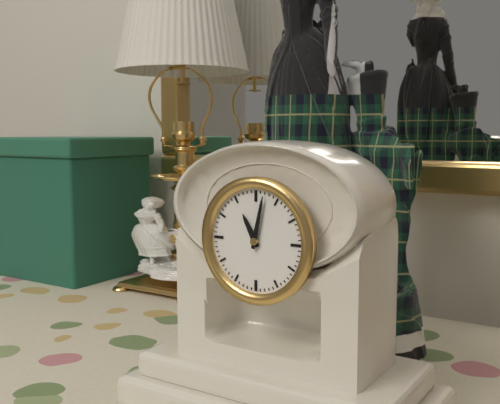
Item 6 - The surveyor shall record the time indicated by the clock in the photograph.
11:02
